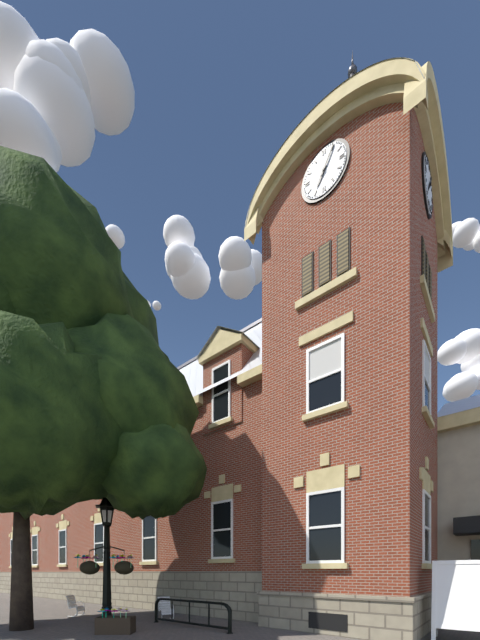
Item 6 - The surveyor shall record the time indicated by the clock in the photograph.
7:05
